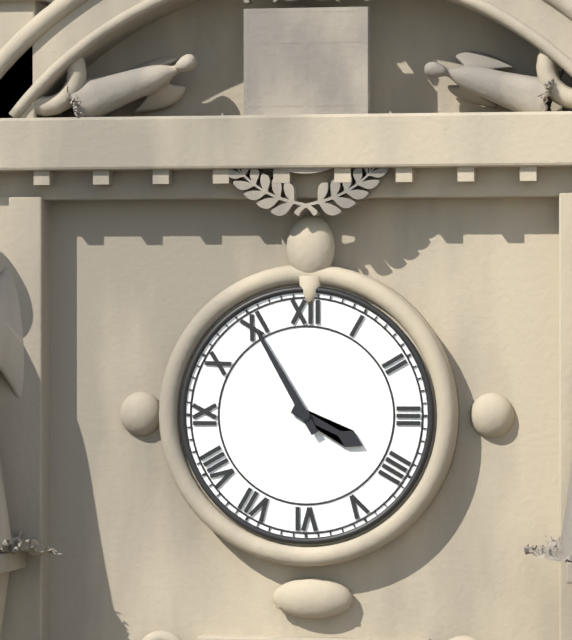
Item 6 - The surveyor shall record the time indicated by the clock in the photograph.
3:55
